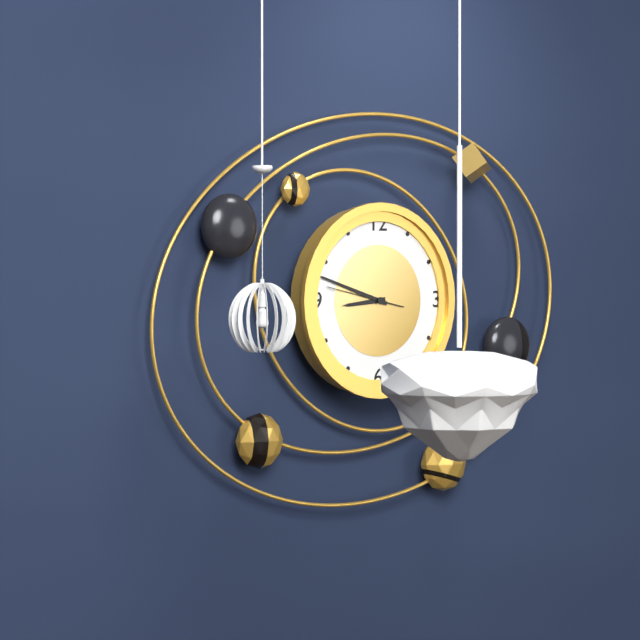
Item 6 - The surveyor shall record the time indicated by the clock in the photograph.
8:48:47
